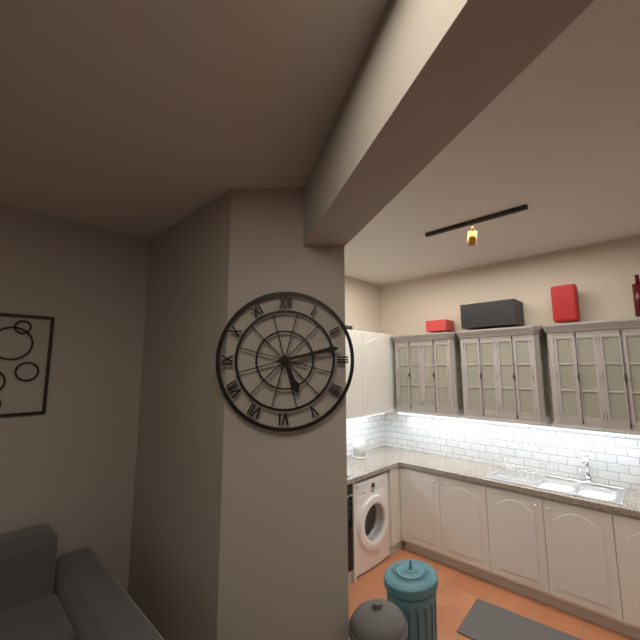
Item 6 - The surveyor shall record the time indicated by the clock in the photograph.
5:13
